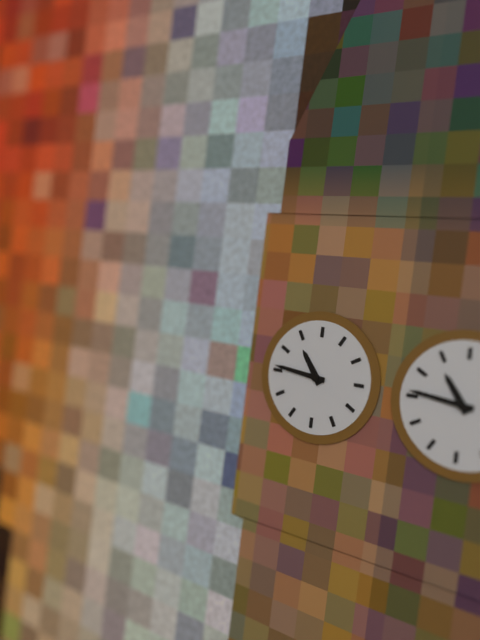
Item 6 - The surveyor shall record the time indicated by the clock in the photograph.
10:46
